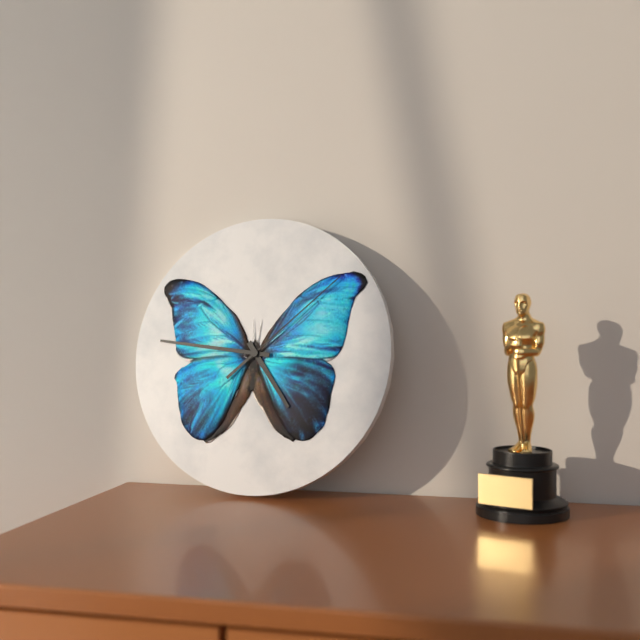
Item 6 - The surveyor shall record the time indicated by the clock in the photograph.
4:46:08
